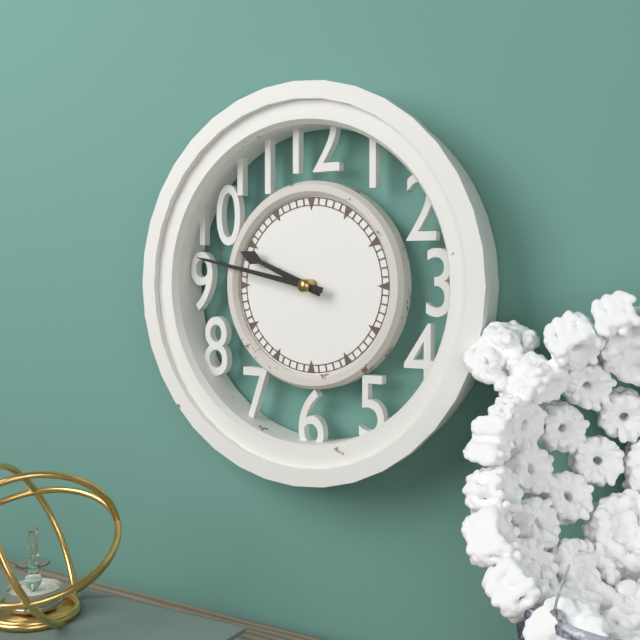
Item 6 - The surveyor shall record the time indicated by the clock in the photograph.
9:47
